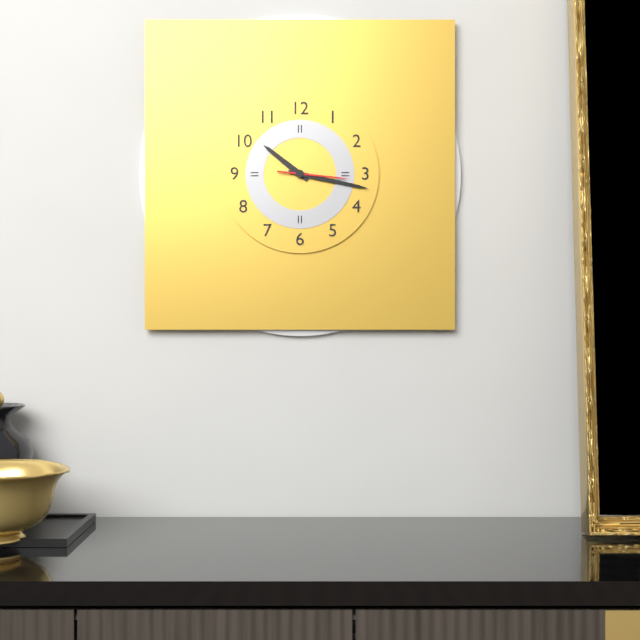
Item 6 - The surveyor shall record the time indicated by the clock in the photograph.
10:17:16
